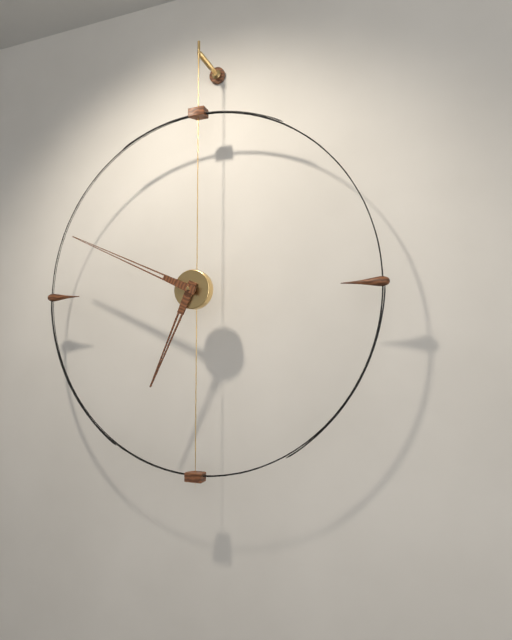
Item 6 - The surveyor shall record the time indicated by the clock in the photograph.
6:49
